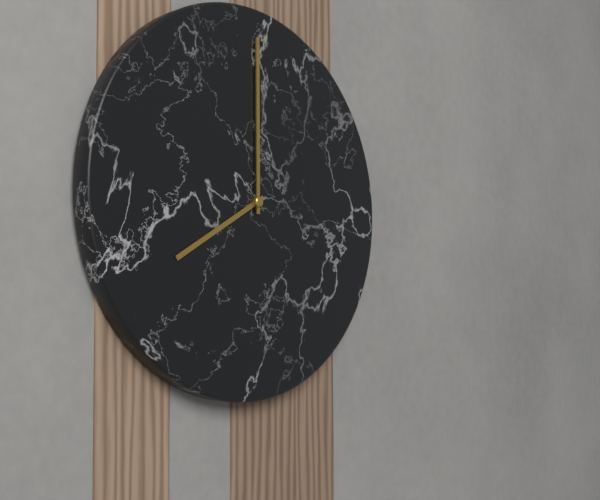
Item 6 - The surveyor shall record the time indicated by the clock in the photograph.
8:00
